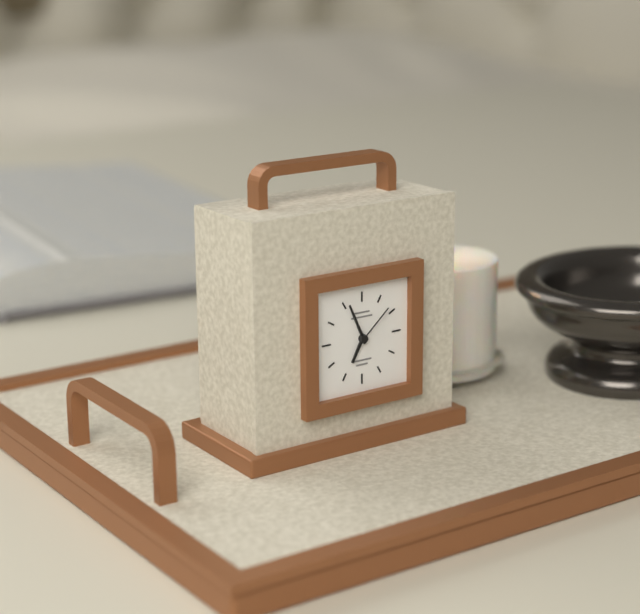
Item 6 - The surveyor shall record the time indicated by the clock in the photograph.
6:56:08
